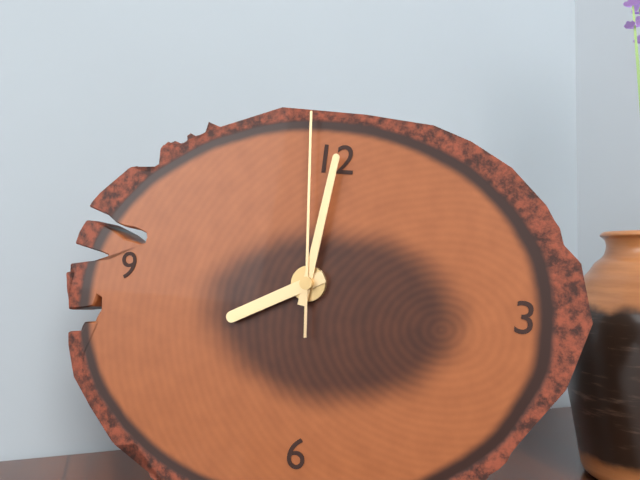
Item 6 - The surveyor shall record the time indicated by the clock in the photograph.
8:01:59
